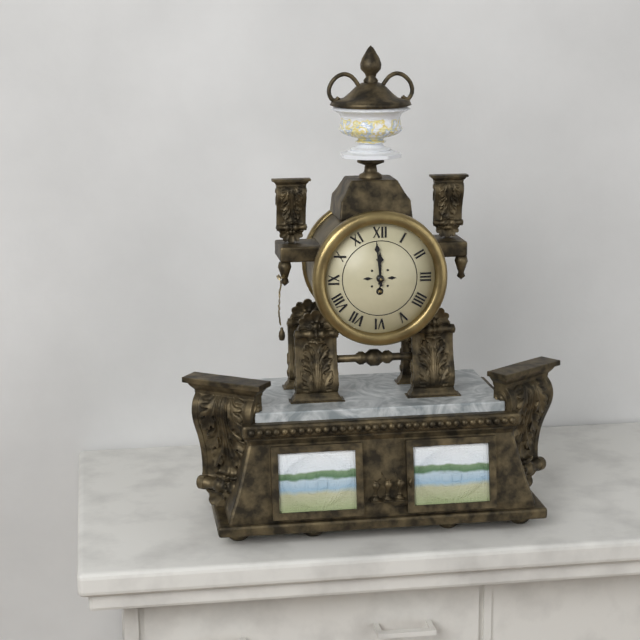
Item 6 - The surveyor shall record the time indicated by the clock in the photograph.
11:59
